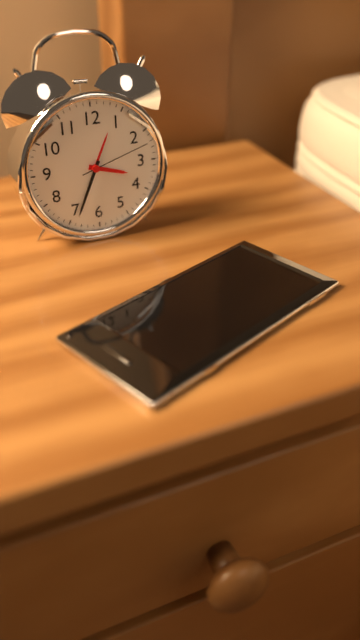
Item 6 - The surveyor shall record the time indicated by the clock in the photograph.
3:34:12
